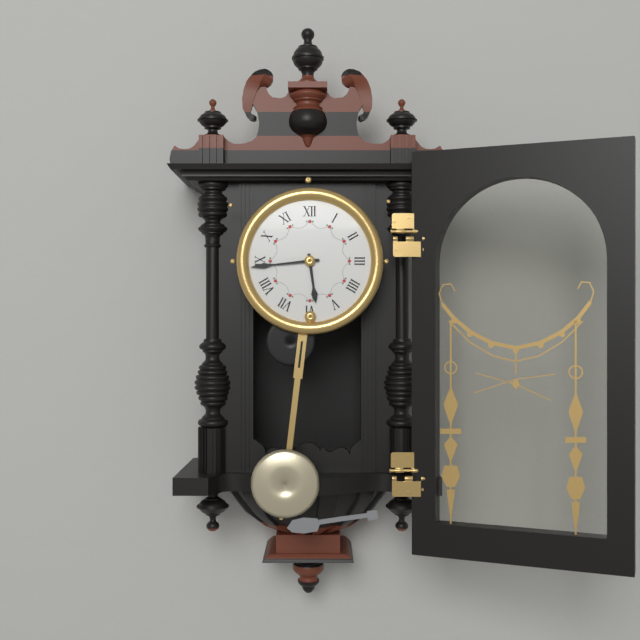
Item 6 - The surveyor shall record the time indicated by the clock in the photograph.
5:44
